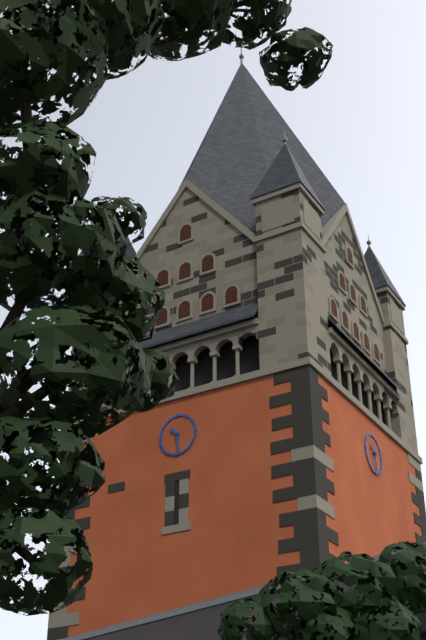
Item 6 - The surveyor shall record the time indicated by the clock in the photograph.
10:29
